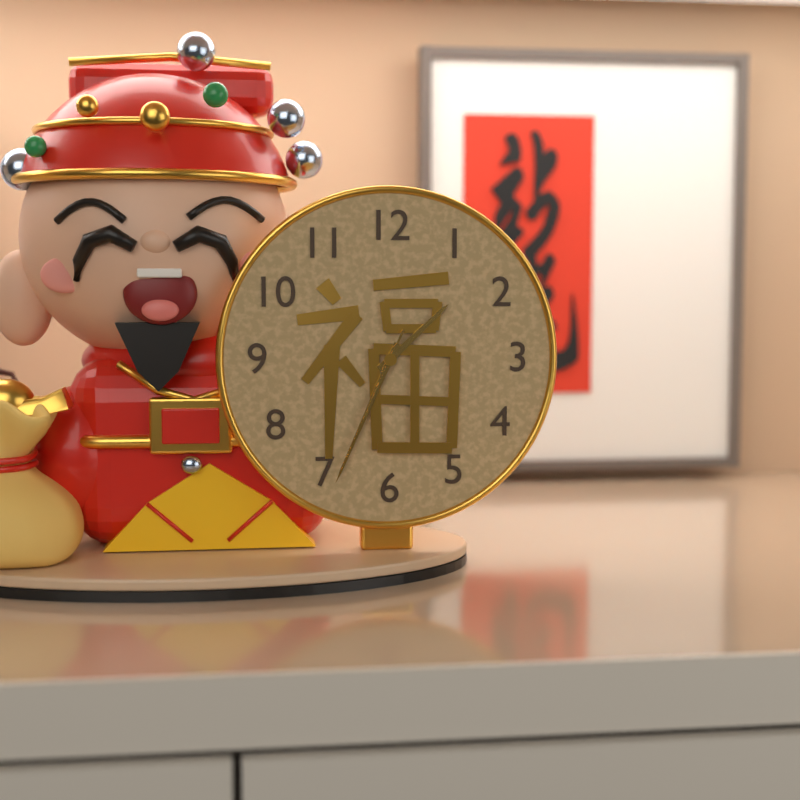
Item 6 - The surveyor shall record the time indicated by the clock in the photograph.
1:34:34
